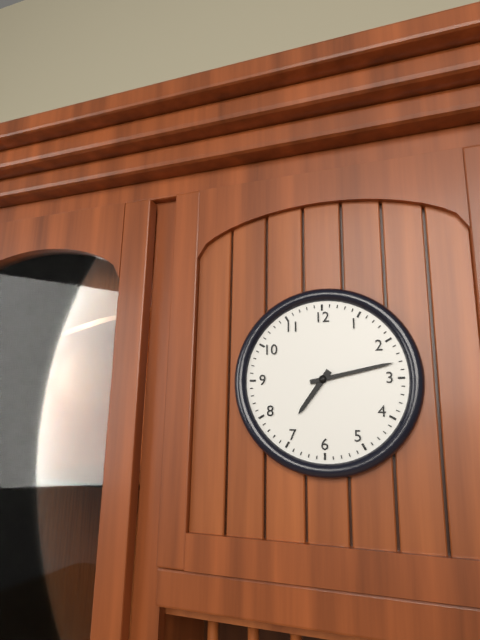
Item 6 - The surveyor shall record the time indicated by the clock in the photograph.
7:13
